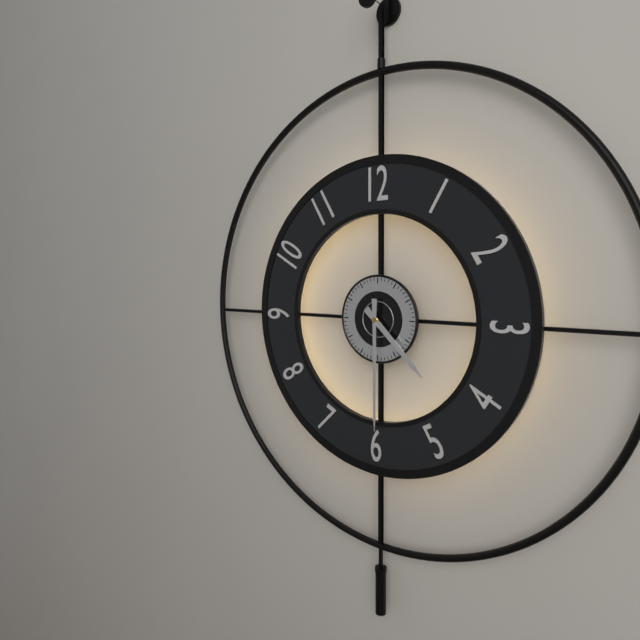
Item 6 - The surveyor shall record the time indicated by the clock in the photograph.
4:30
